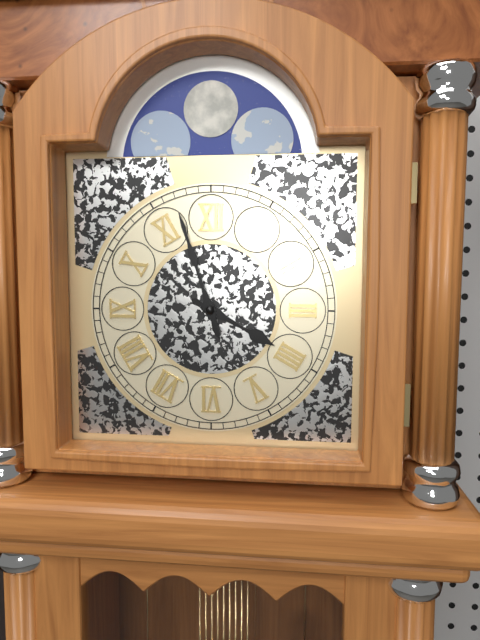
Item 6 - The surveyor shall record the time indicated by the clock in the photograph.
3:57
